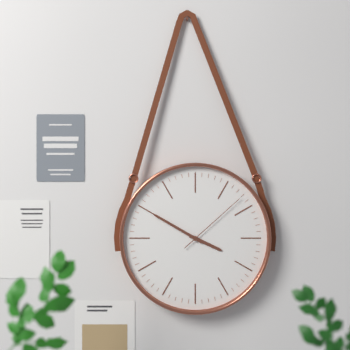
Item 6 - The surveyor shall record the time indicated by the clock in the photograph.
3:50:08
